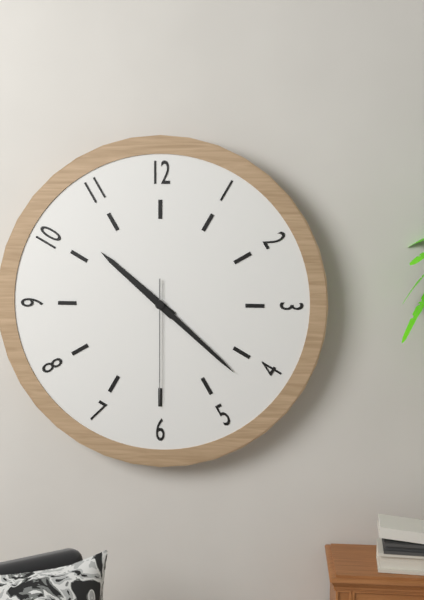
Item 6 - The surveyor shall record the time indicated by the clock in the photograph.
10:22:30
